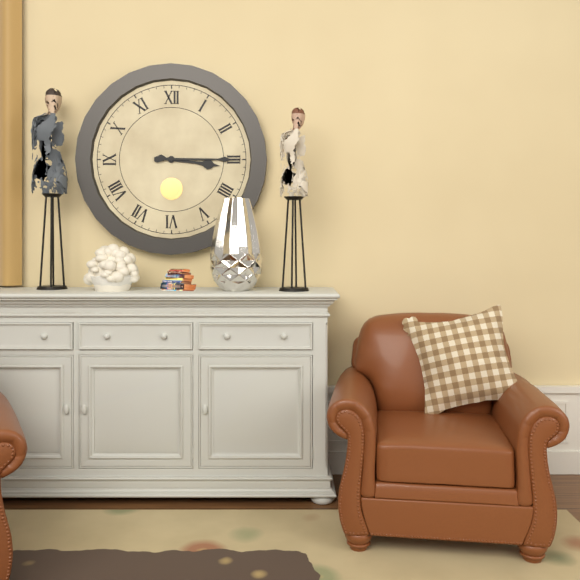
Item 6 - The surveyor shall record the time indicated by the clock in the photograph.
3:15
